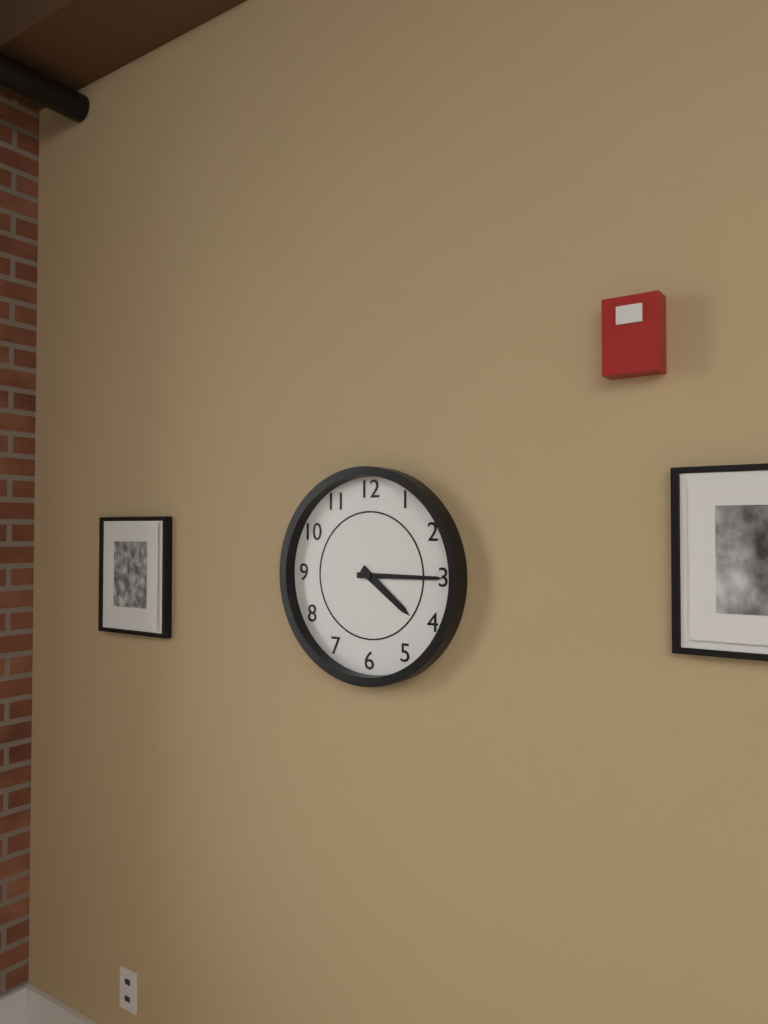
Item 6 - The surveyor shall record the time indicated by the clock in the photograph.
4:15
